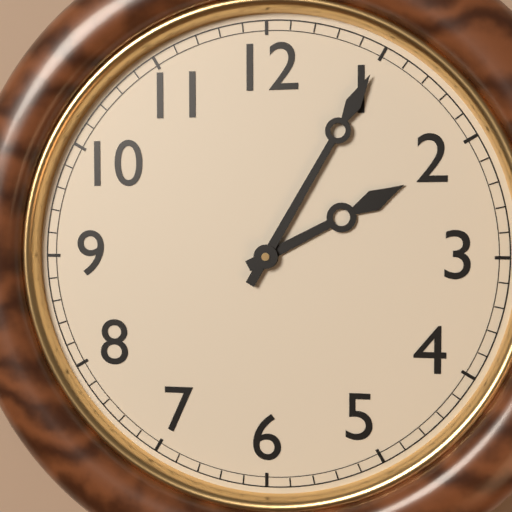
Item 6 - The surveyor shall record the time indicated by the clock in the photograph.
2:05
